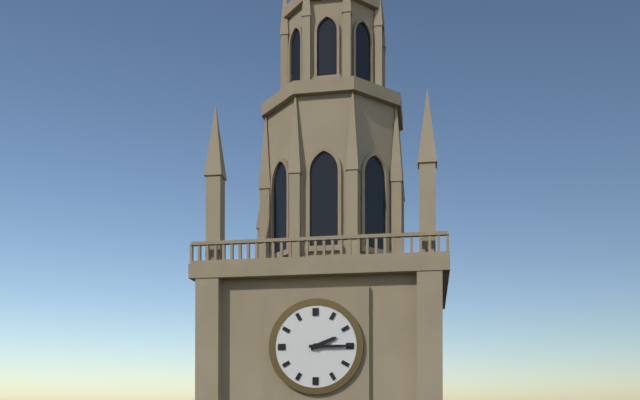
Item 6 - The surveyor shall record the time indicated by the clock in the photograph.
2:15
